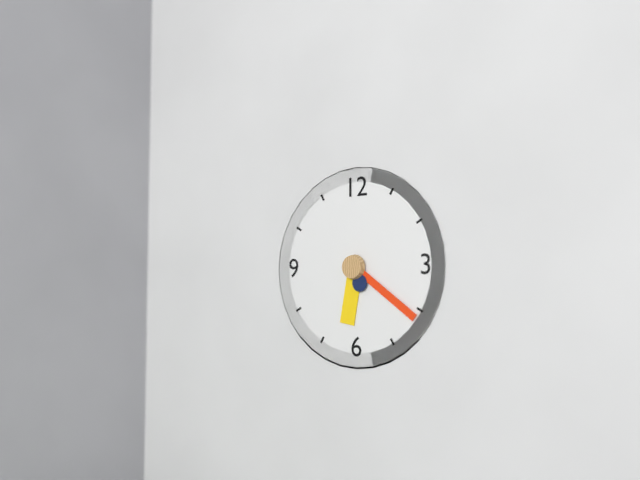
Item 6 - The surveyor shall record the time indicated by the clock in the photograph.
6:21
